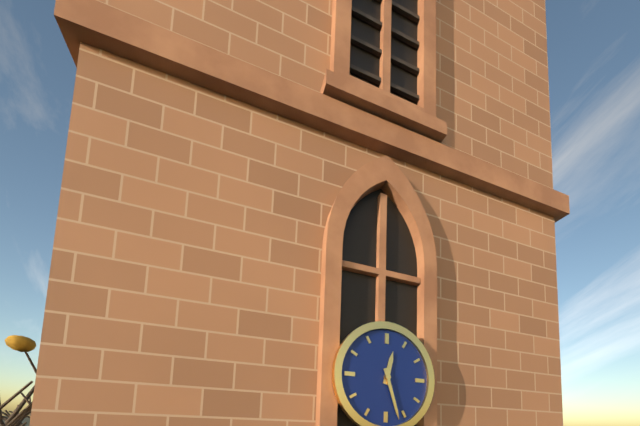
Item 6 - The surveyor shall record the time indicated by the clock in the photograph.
12:27
